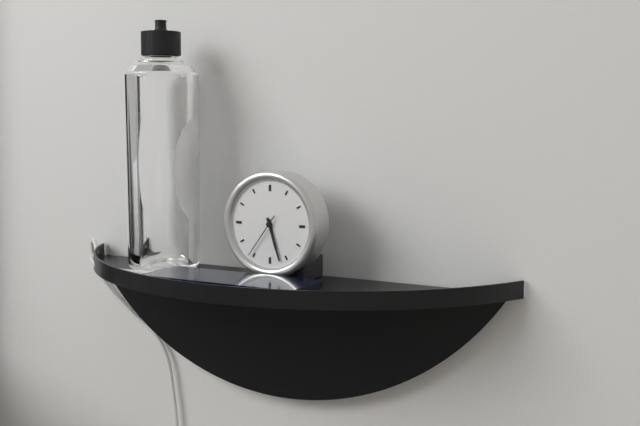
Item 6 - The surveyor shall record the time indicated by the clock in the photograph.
5:27
